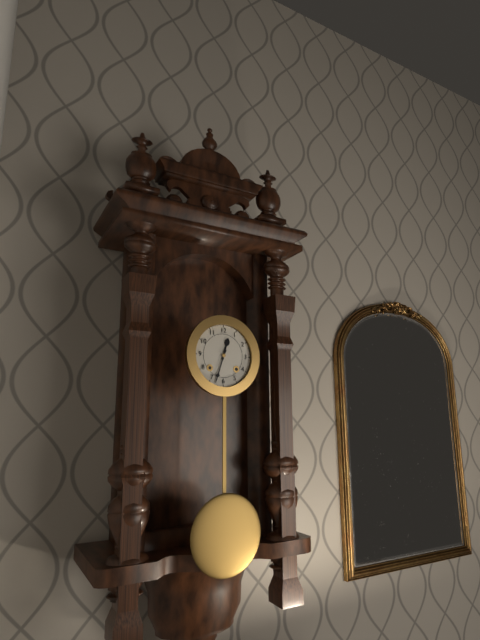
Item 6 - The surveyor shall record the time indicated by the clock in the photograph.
12:33
